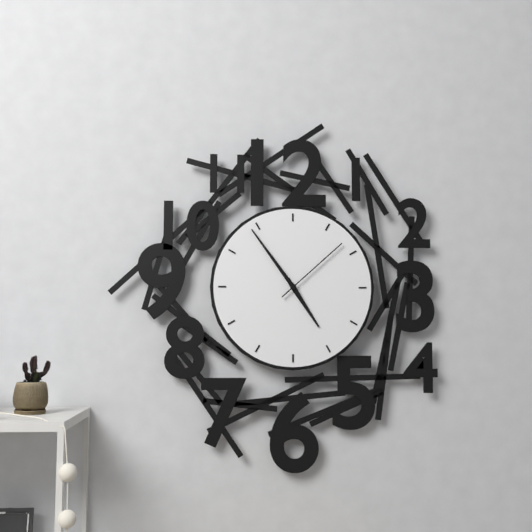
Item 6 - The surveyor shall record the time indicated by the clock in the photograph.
4:54:08
